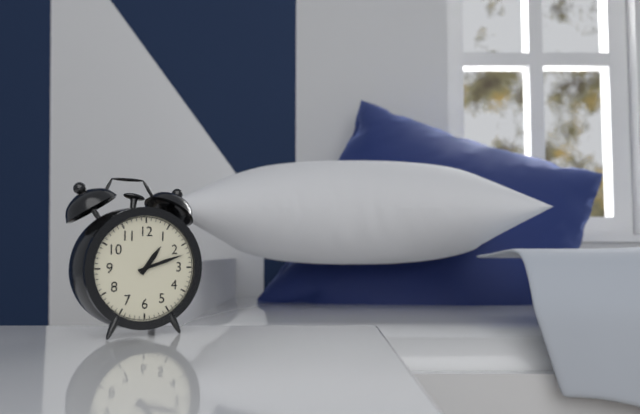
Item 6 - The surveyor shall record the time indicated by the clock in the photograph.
1:12
